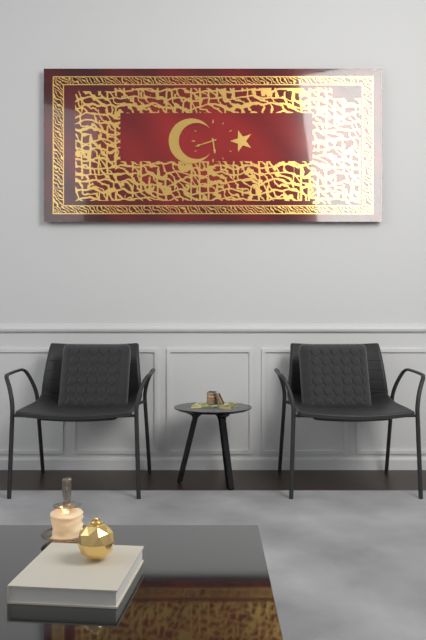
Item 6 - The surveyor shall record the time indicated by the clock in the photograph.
5:42
